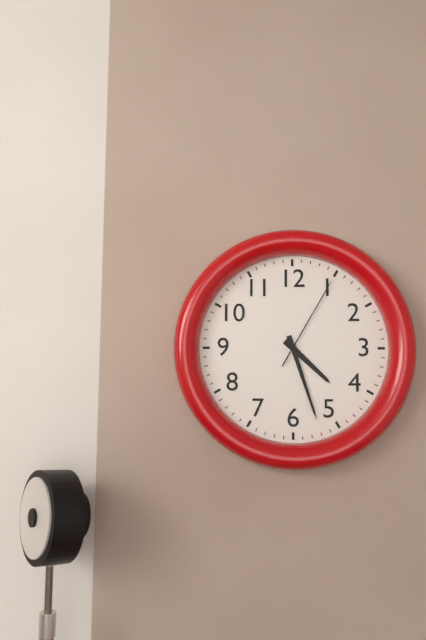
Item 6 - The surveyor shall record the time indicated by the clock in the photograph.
4:27:05
